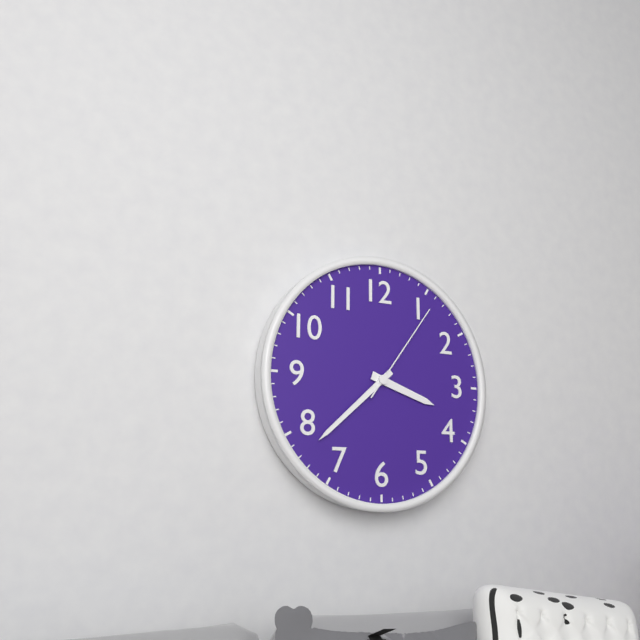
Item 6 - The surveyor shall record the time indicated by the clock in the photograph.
3:38:06
